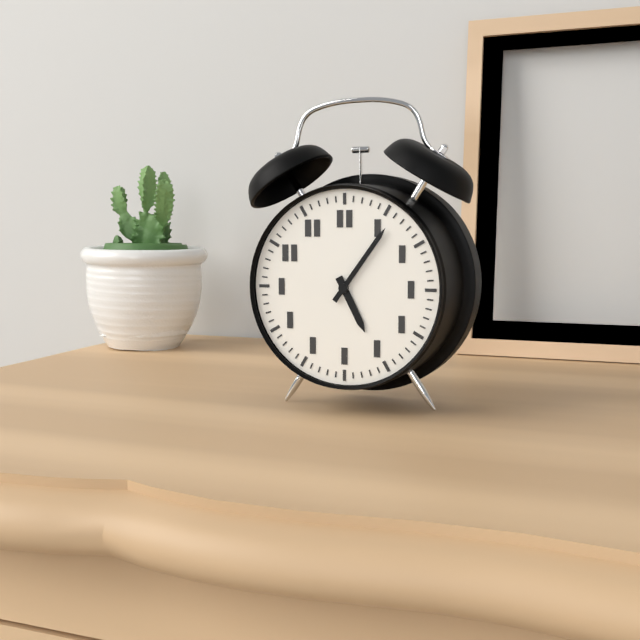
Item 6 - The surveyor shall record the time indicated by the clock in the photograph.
5:06
